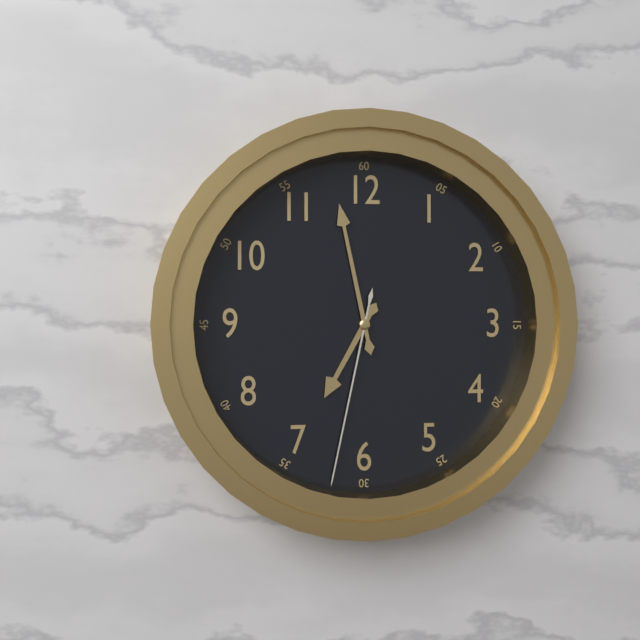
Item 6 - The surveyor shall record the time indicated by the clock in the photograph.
6:58:32
